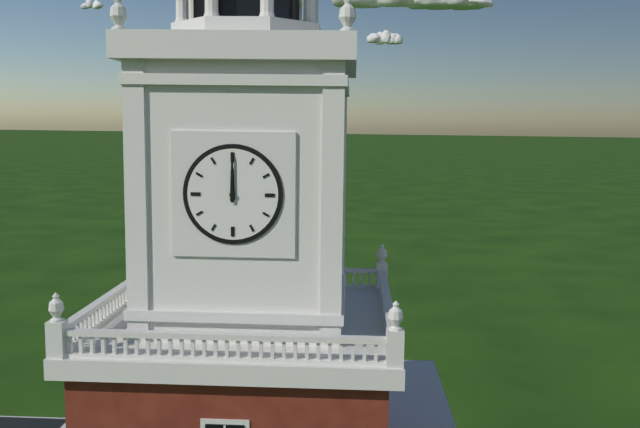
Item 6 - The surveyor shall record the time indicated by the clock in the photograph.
12:00
